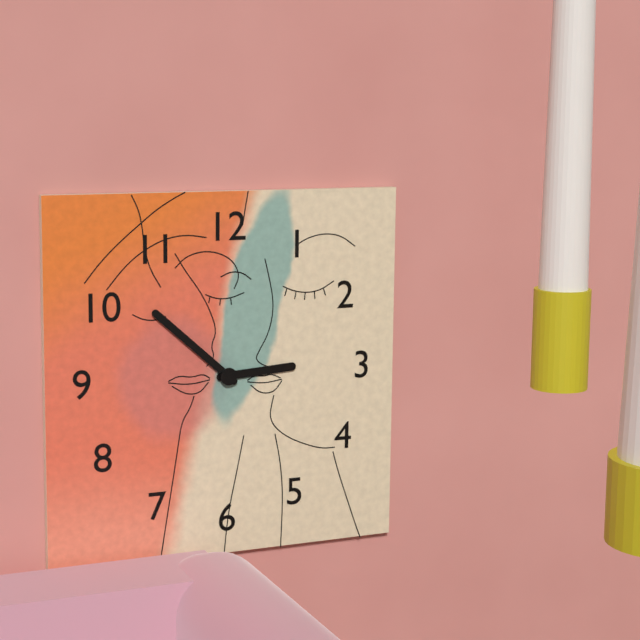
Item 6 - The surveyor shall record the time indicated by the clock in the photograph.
2:52
